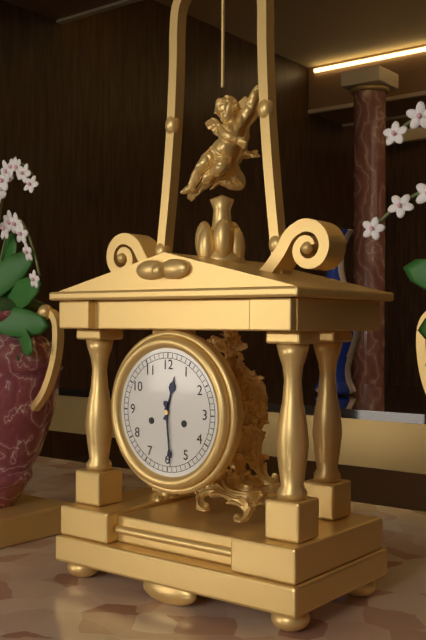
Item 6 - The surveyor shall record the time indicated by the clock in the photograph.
12:29
